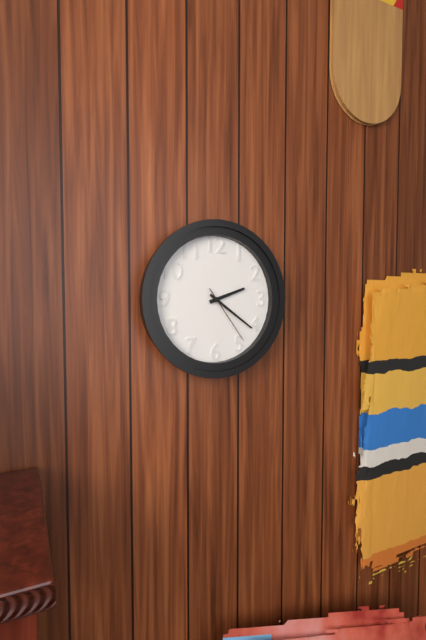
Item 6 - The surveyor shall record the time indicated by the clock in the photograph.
2:21:24
